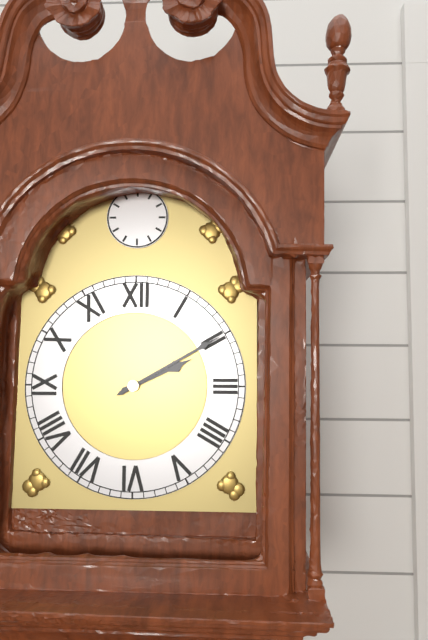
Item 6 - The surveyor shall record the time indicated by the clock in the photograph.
2:10
